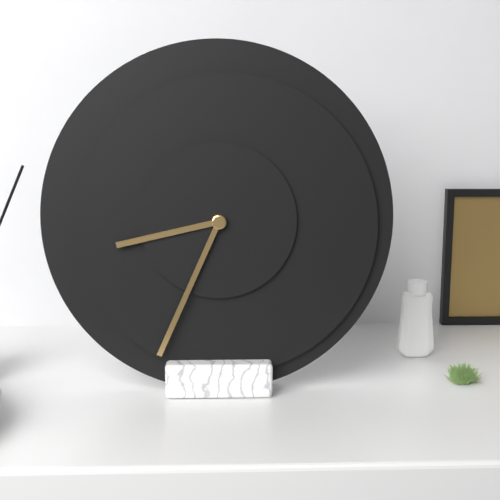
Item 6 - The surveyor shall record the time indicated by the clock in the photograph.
8:34
